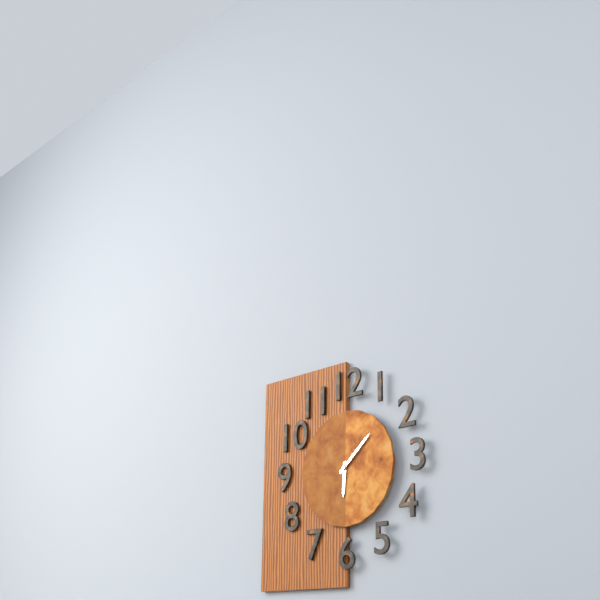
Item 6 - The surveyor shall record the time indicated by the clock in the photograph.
6:08
